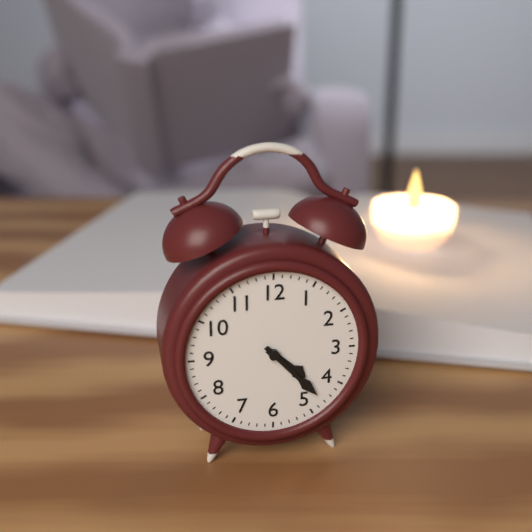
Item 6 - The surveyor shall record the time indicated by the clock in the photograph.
4:23
